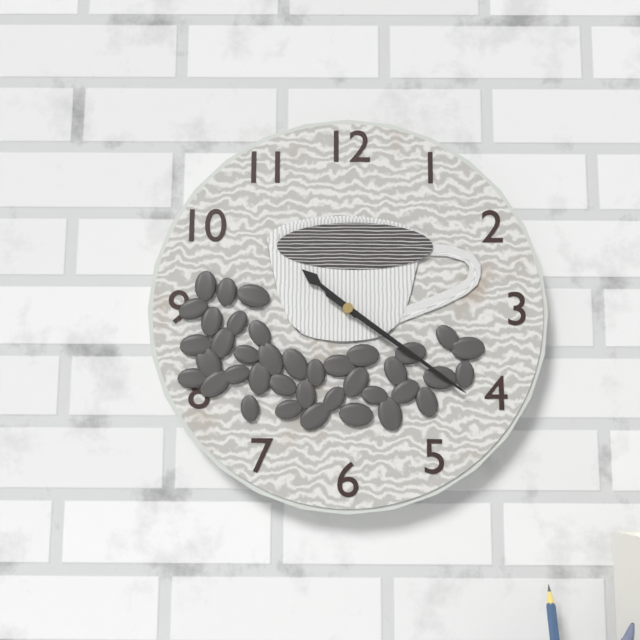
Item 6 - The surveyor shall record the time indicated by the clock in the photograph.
10:21
